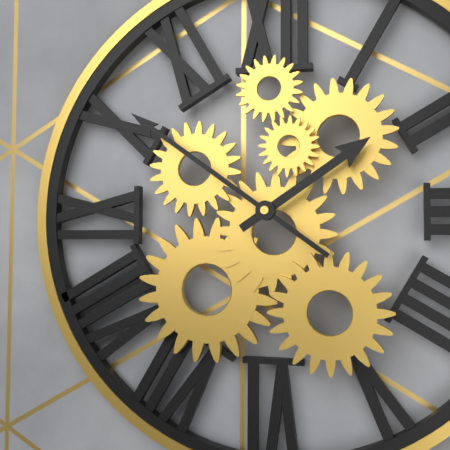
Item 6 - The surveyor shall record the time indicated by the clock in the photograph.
1:51
